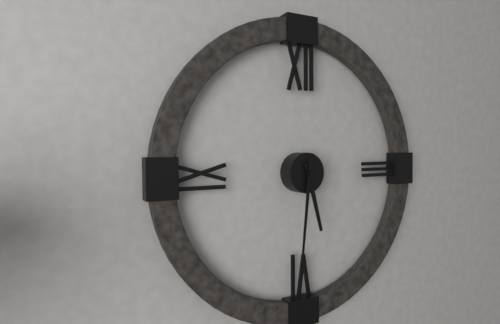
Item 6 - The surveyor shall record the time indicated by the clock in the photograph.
5:31
